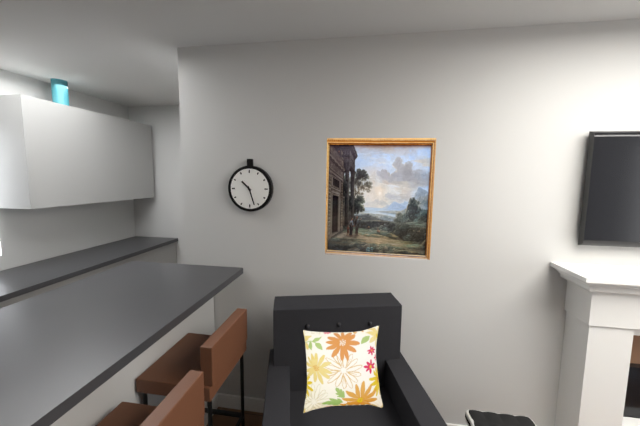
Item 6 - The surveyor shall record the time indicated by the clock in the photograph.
10:27
